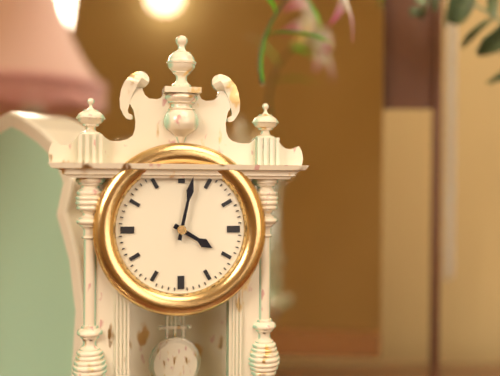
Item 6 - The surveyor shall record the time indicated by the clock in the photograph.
4:02
